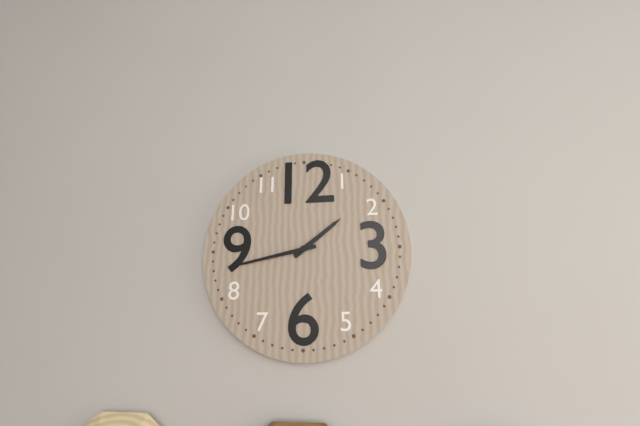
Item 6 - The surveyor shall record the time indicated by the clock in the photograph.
1:43
